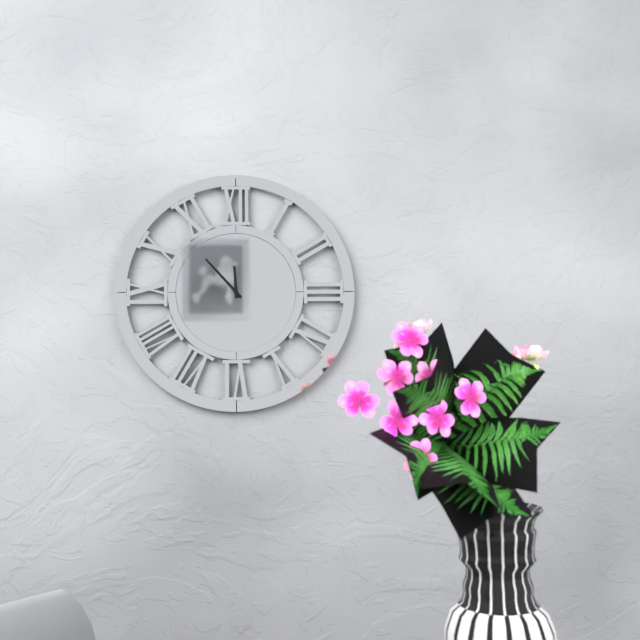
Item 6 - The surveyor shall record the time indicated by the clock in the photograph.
11:53
